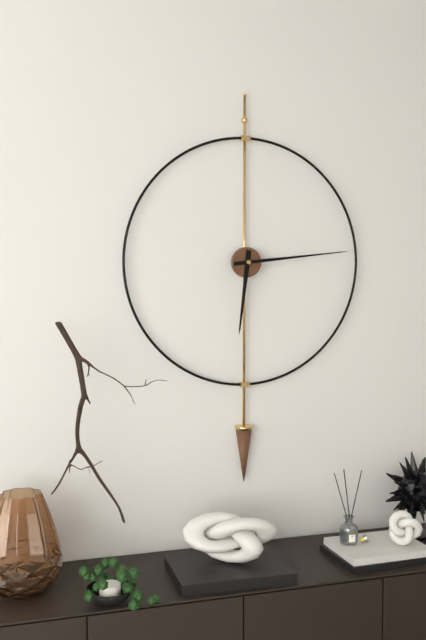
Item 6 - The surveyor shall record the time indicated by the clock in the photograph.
6:14
